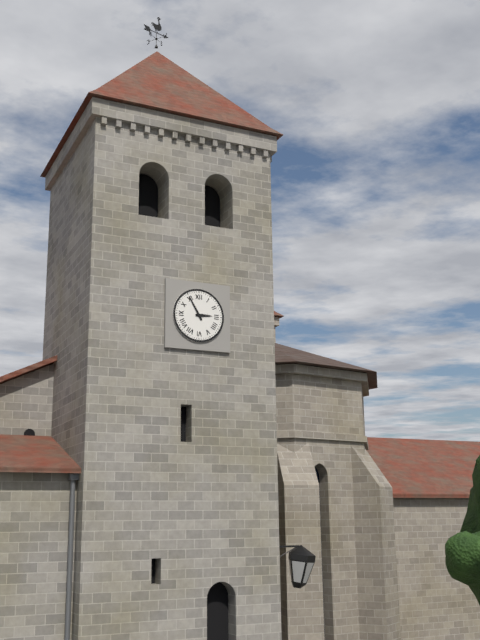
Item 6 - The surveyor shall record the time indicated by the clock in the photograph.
2:55
